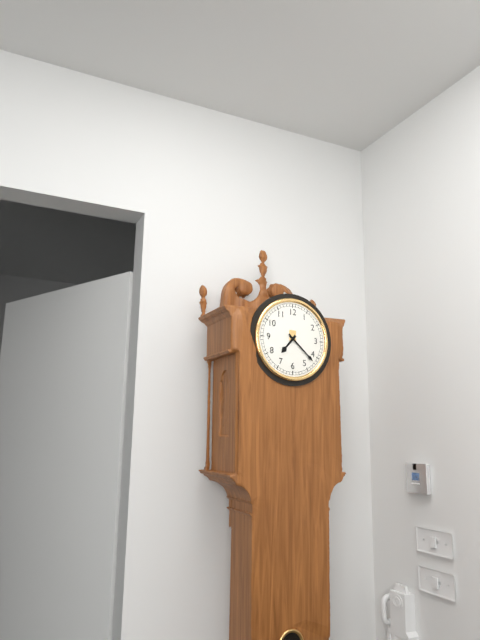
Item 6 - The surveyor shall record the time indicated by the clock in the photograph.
7:22
